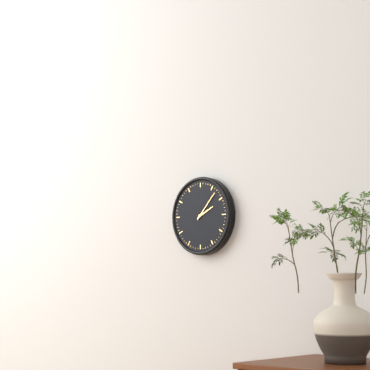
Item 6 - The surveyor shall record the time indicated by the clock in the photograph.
2:07
